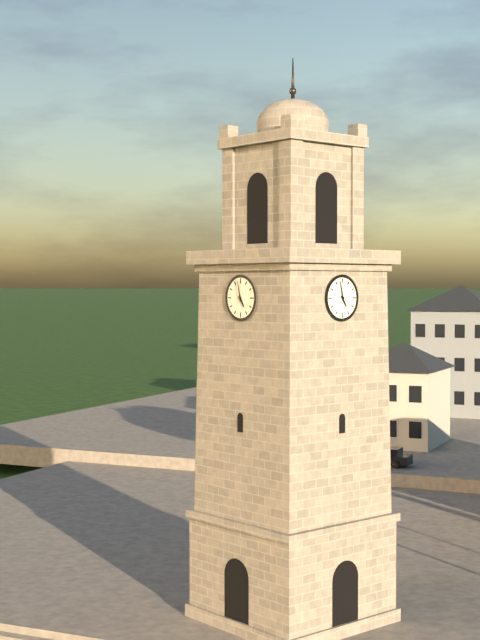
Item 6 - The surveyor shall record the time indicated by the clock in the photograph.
4:58
